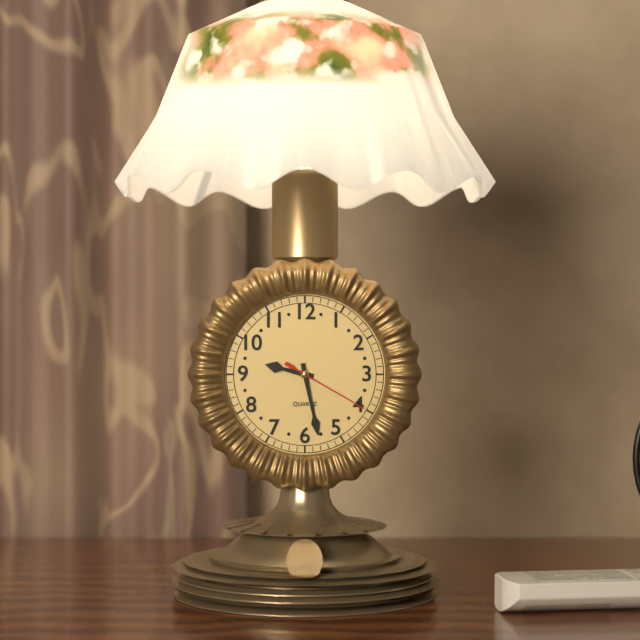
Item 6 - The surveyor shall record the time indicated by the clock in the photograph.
9:28:20
